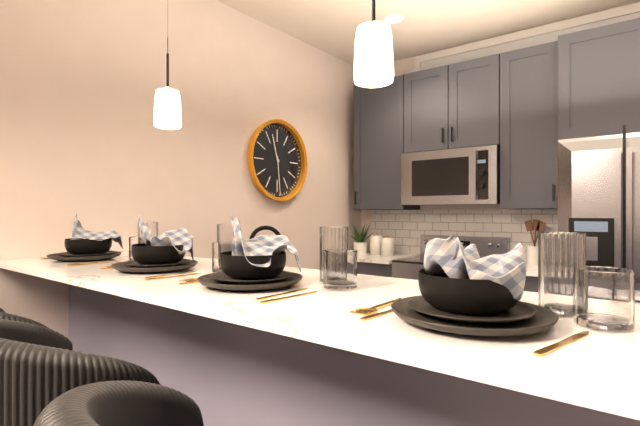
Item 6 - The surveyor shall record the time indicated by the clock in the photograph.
11:29
